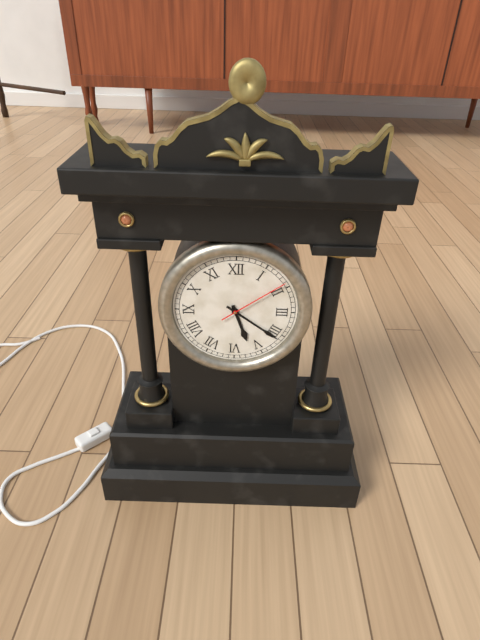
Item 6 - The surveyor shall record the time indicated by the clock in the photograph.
5:21:09
